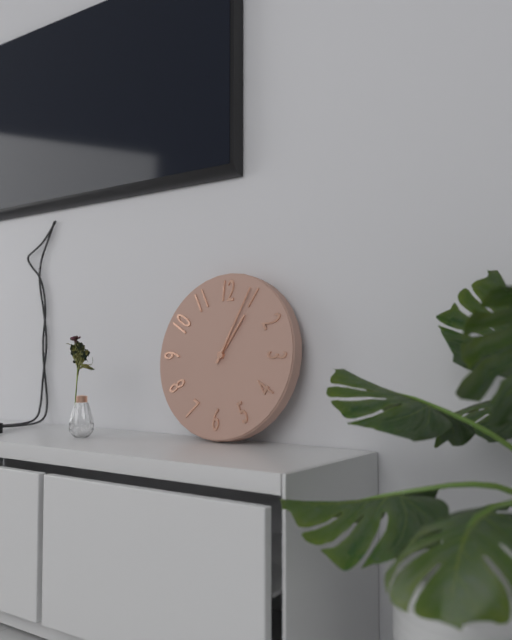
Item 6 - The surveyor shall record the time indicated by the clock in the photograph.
1:04
